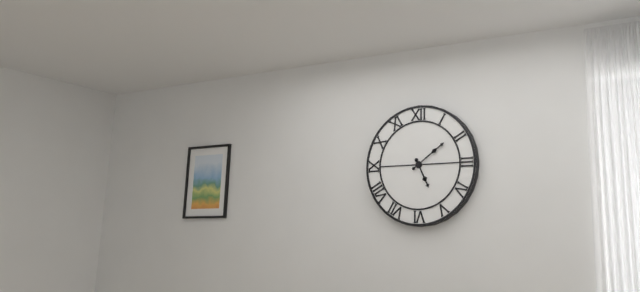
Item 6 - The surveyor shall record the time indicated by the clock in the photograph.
5:09
